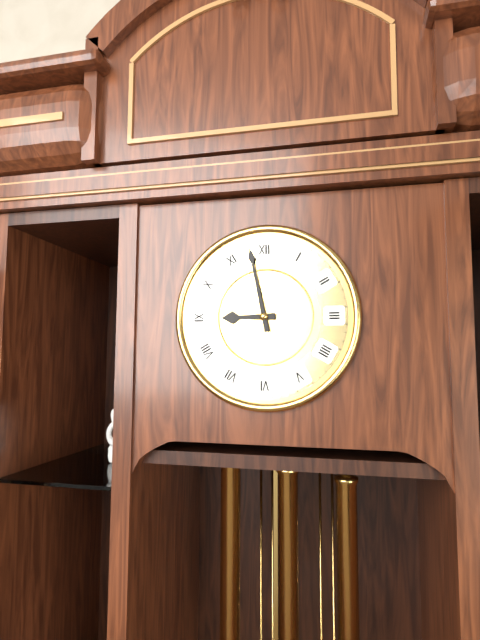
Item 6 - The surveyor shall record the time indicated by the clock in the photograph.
8:58
